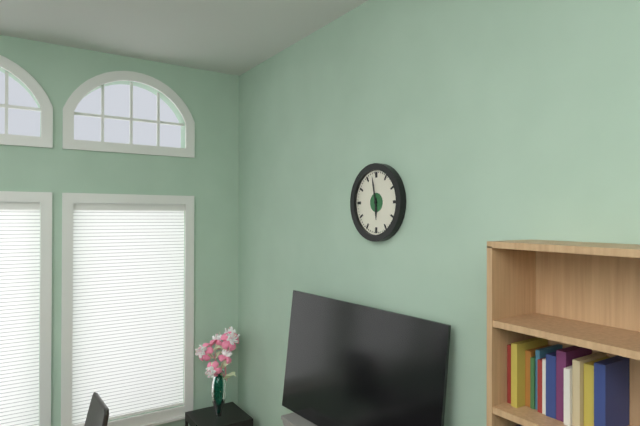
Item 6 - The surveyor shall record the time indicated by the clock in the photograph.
5:58
